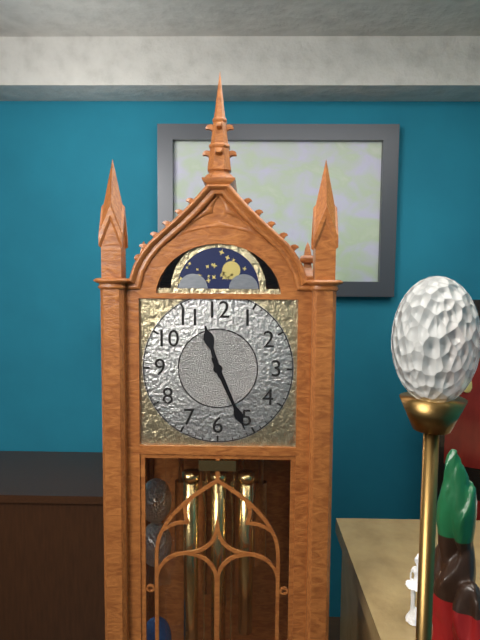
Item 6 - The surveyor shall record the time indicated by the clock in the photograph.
11:26
